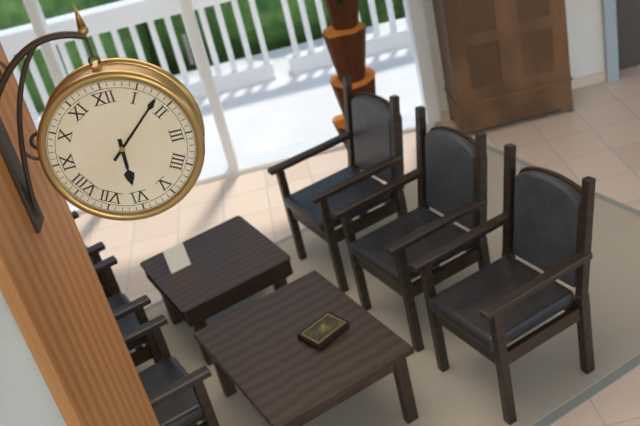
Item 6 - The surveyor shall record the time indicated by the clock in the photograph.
6:08
